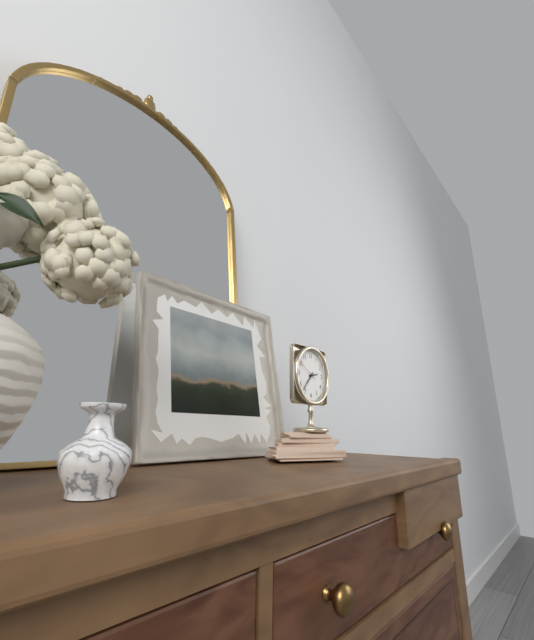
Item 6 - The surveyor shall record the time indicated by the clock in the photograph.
2:37
